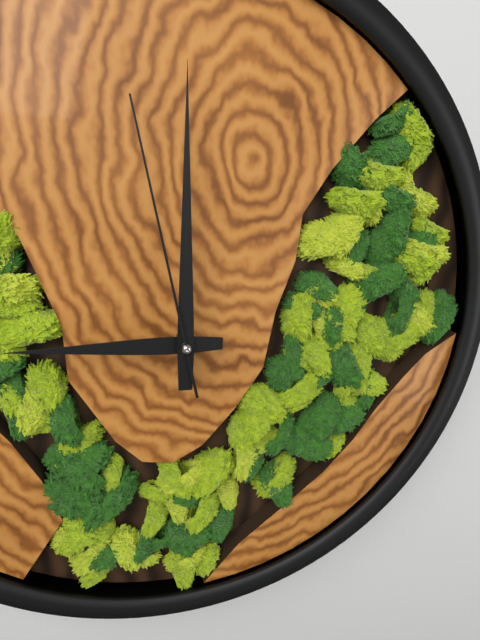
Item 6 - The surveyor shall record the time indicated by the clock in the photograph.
9:00:58
